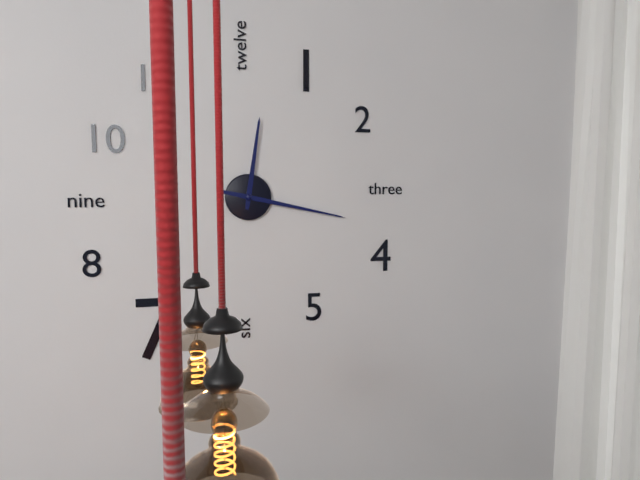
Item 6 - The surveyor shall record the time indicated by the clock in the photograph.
12:17
